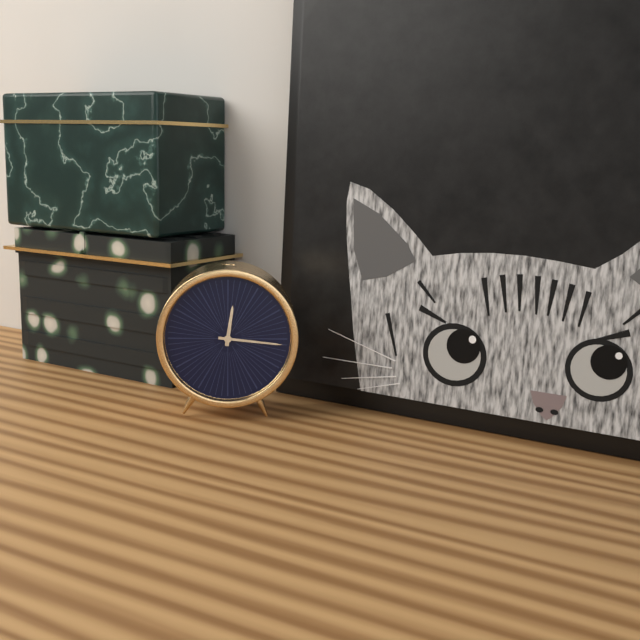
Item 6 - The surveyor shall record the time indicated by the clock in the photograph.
12:16
